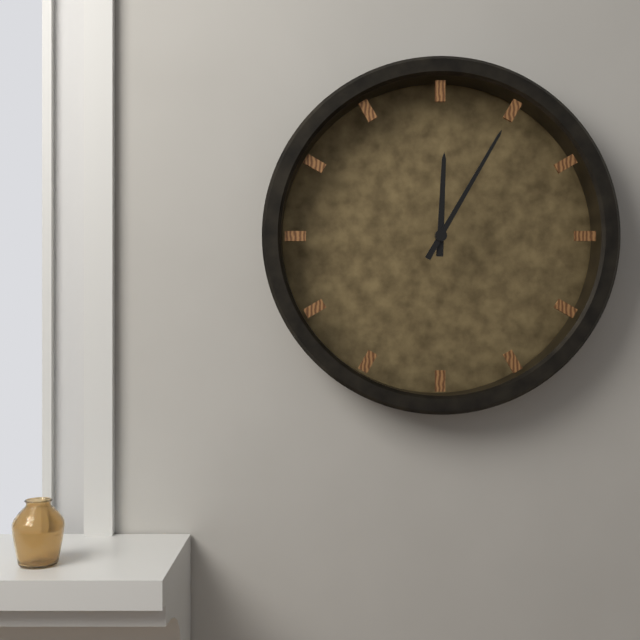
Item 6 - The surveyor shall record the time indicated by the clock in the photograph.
12:05
